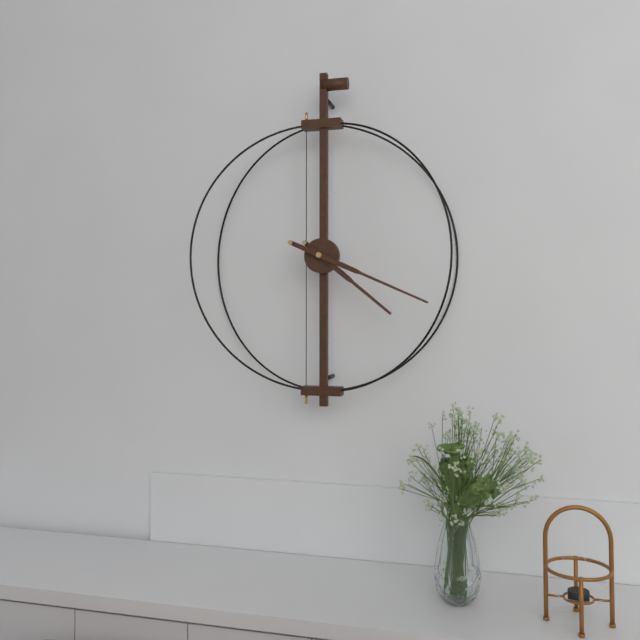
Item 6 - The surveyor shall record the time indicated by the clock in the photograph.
4:19
